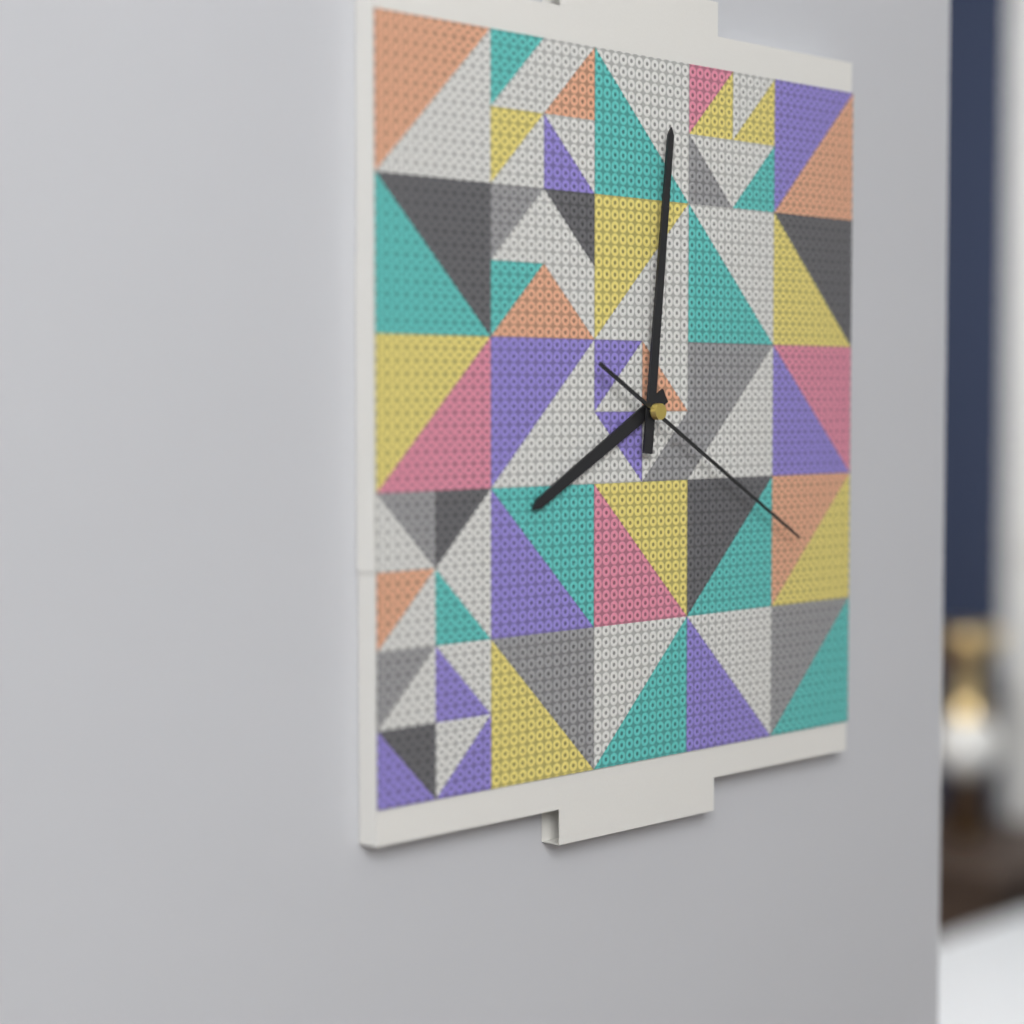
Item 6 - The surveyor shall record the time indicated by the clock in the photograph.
8:01:20
